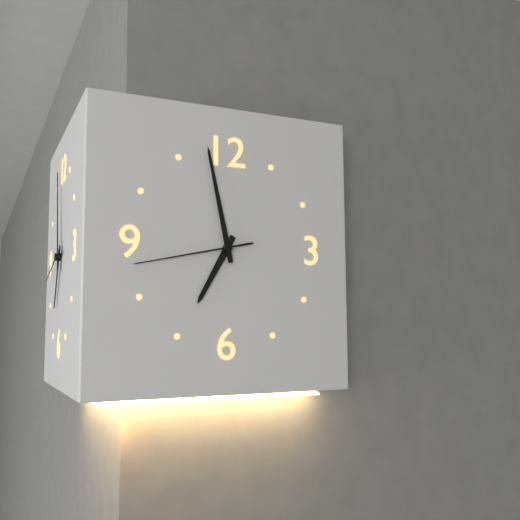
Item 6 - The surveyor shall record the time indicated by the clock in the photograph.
6:58:43
